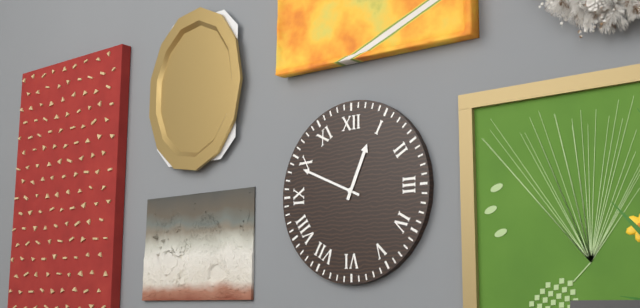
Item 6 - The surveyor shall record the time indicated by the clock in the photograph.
12:49
